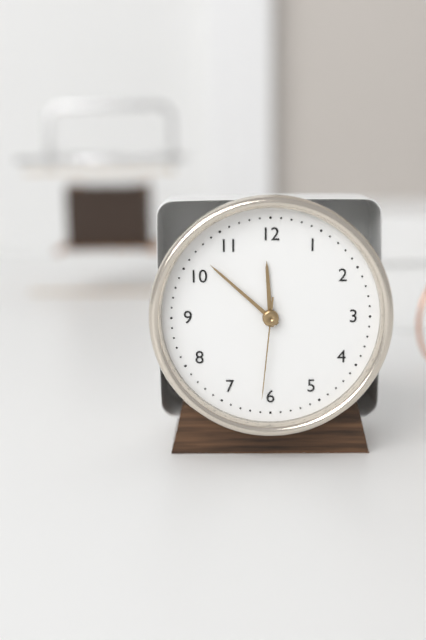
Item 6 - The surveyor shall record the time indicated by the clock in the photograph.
11:52:31
